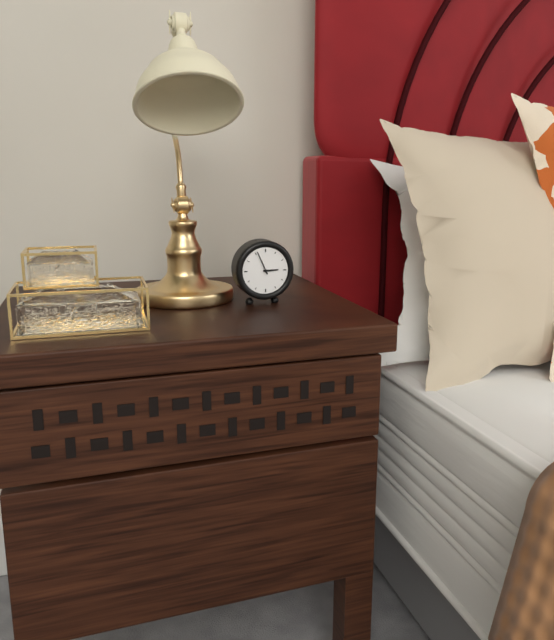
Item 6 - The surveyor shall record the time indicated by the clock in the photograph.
2:56
